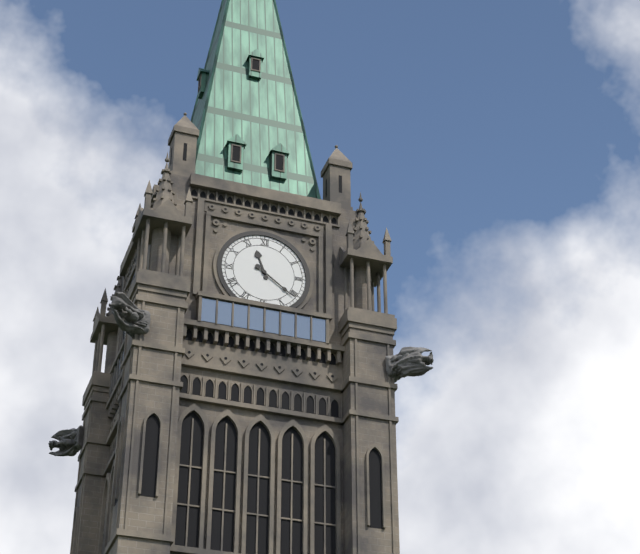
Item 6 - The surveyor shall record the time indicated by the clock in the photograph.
11:21
